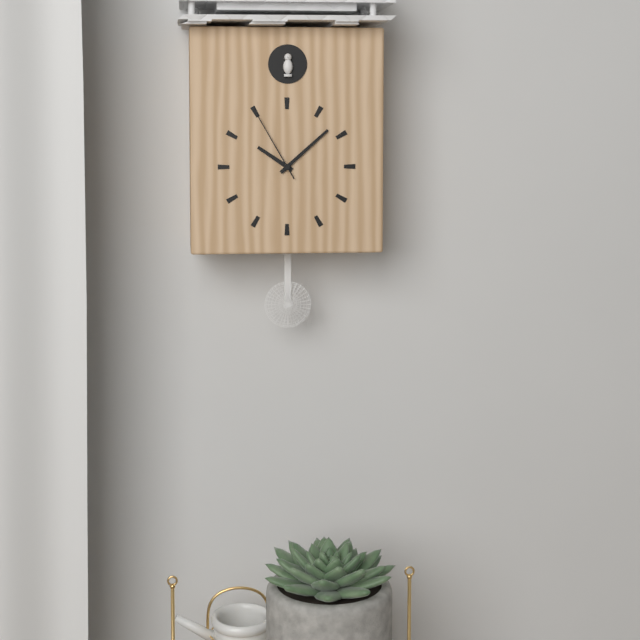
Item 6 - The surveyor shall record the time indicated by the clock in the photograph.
10:08:55
